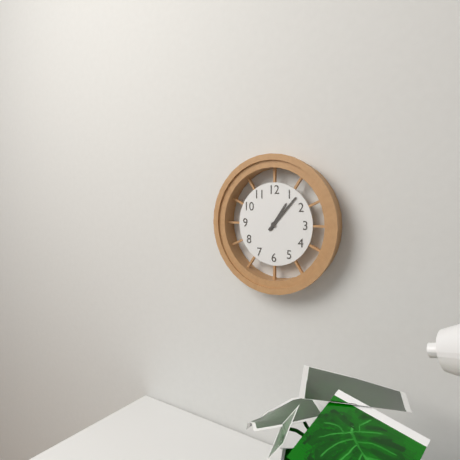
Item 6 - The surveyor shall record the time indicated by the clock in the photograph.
1:07
